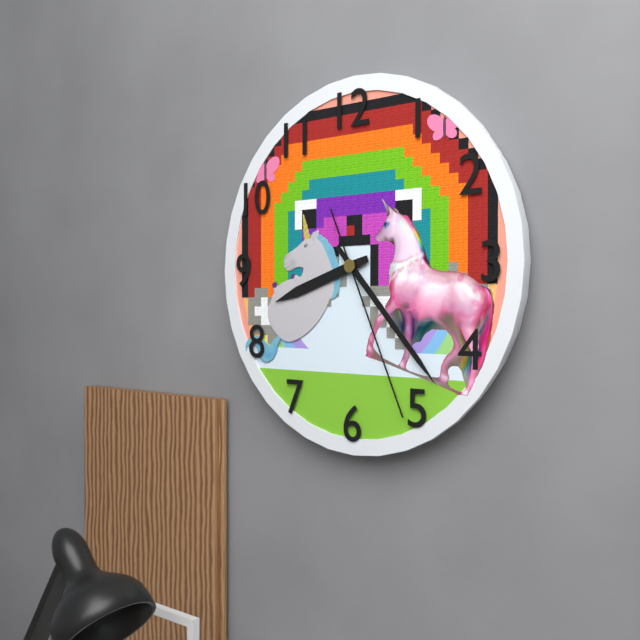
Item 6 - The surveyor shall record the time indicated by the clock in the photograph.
8:23:26
